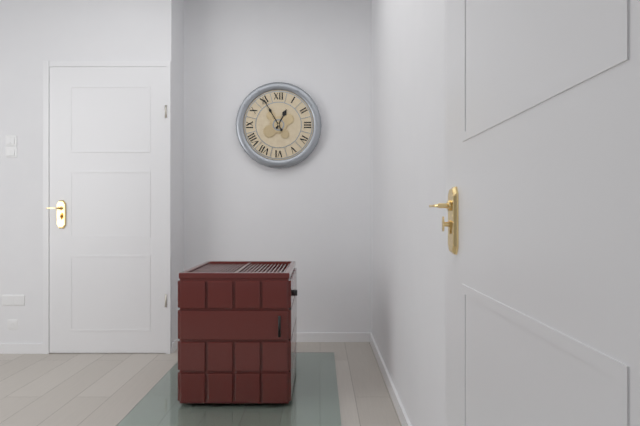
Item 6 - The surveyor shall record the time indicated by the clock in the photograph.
12:55
